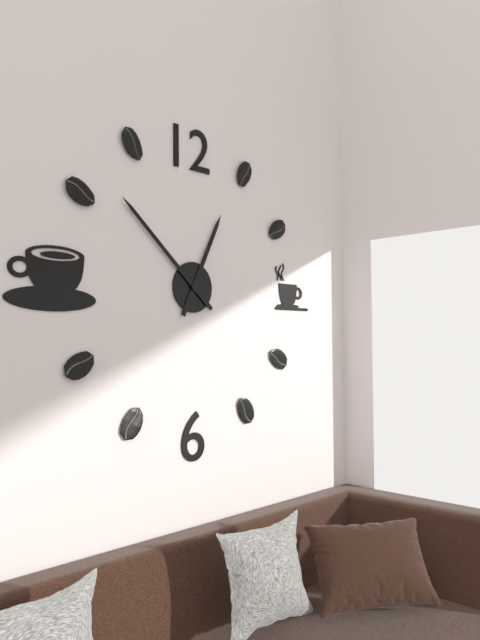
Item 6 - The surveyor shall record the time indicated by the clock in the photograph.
12:52
